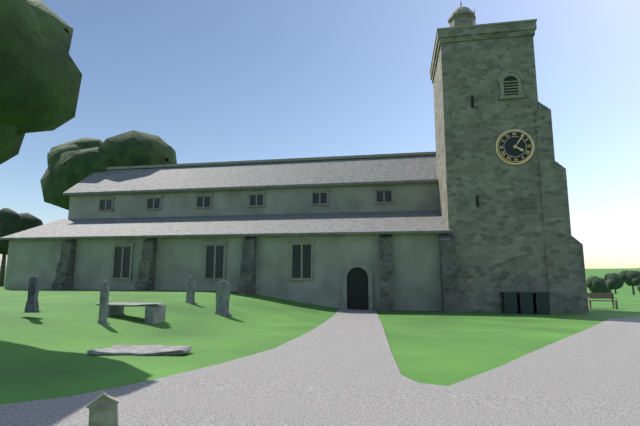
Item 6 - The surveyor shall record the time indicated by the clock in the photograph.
4:06
